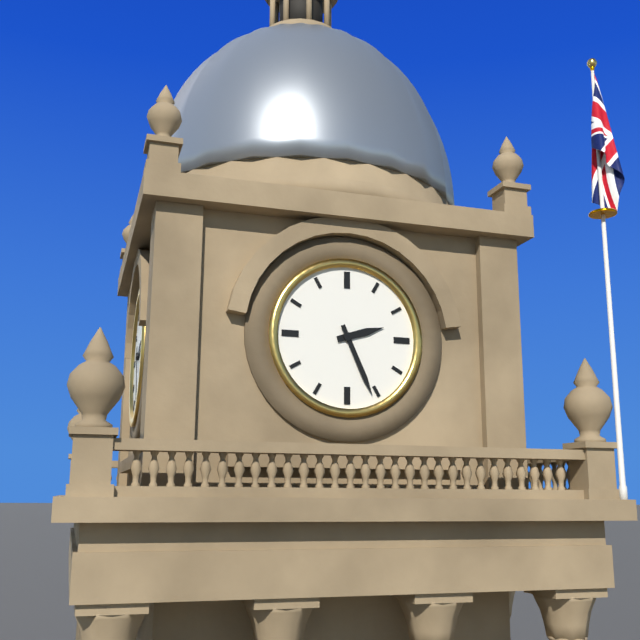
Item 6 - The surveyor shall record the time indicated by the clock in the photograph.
2:26
